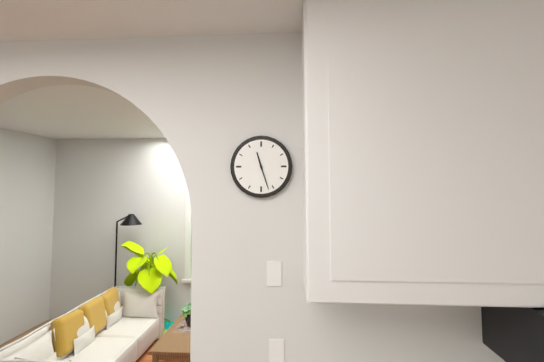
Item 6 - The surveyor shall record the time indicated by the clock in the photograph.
11:27
